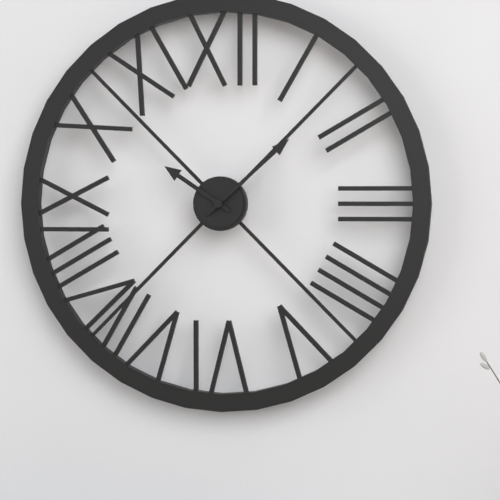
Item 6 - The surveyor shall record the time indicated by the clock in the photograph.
10:08
